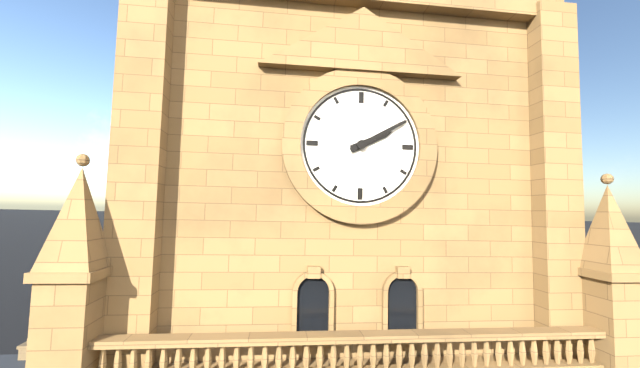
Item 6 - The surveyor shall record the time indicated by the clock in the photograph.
2:10
